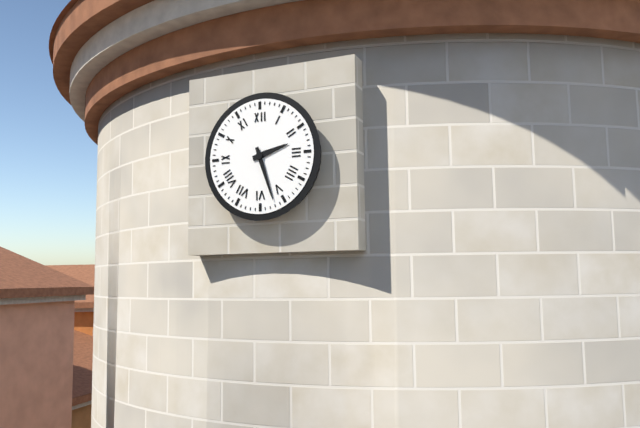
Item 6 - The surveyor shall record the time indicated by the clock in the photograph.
2:27
